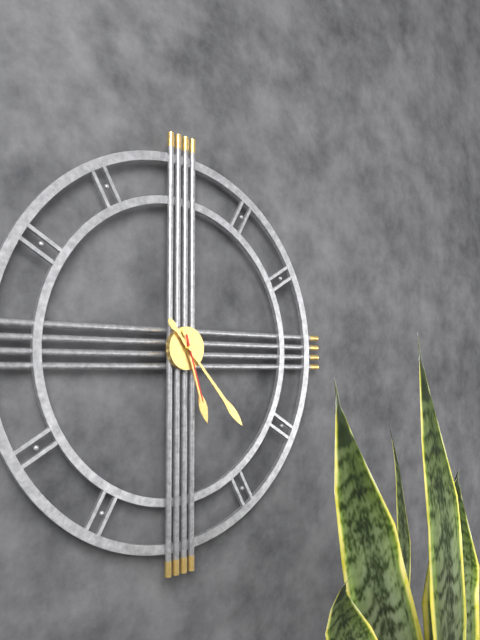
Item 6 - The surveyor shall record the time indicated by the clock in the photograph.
5:23:27
